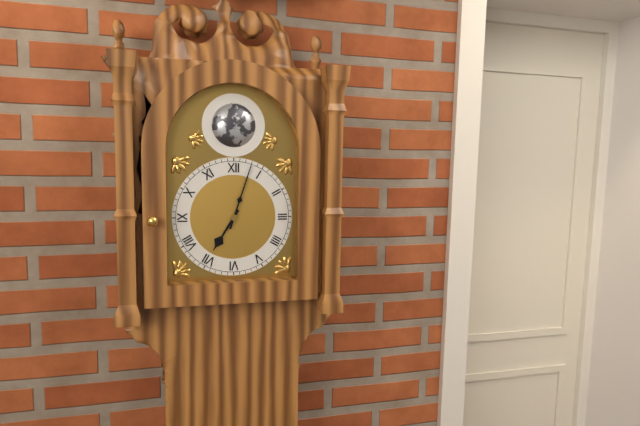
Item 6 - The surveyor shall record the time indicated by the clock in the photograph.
7:03
